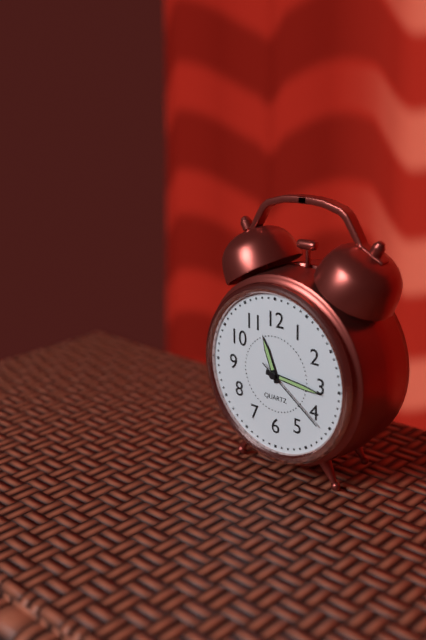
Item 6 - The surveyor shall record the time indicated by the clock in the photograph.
11:16:21
